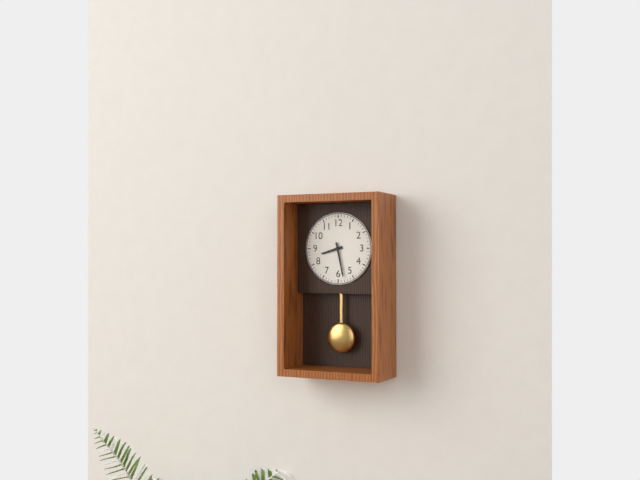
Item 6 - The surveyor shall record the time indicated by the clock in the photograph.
8:28
